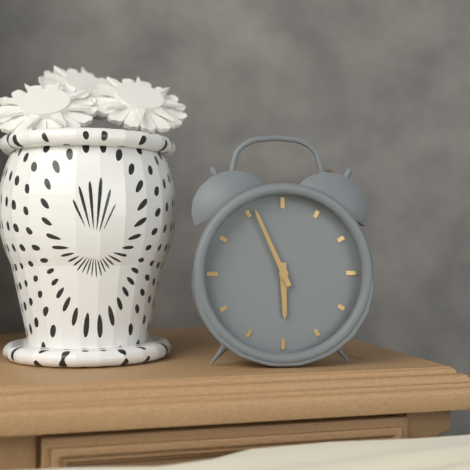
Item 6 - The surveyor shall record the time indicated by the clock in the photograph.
5:56
